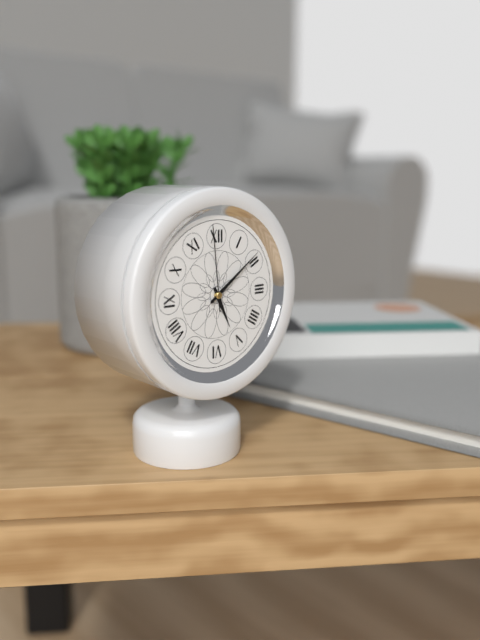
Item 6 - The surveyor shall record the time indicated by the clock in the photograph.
5:09:59
